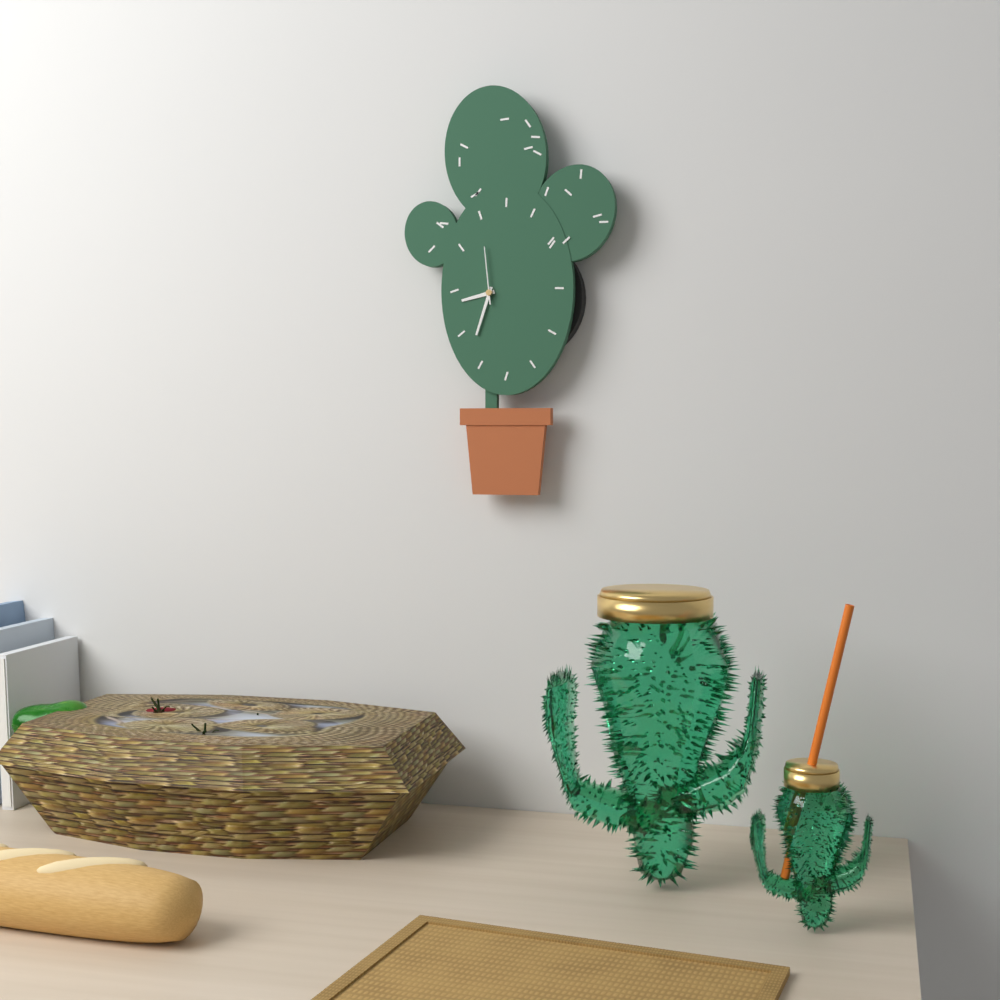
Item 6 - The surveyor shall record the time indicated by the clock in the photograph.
8:33:59
